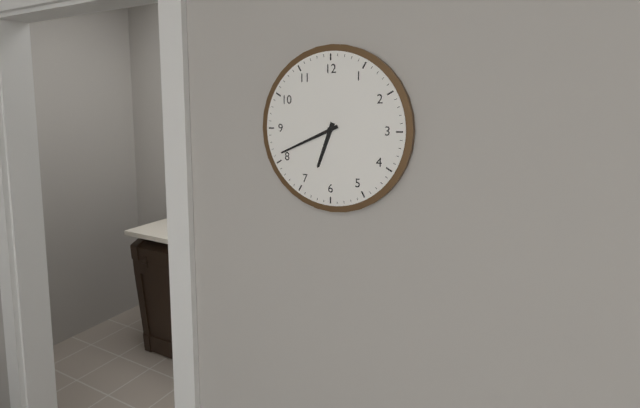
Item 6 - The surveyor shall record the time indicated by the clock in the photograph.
6:41
